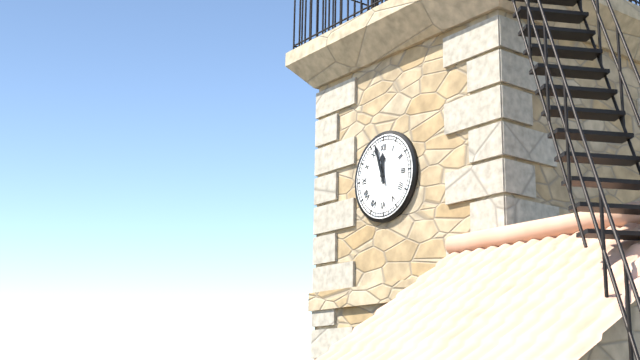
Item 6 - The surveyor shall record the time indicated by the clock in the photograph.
11:57
